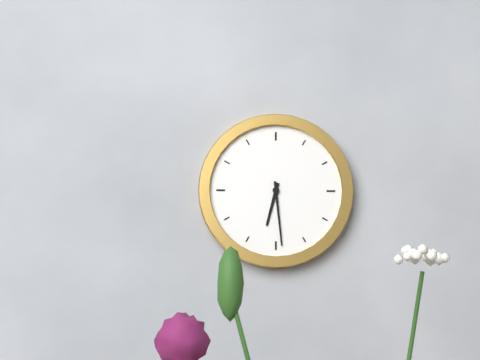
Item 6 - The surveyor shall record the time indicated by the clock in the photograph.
6:29
